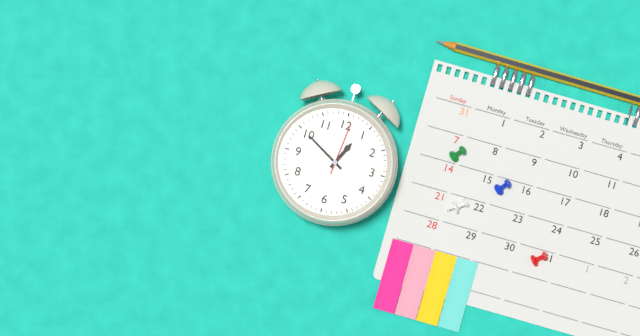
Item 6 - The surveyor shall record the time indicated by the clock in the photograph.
12:50:01
